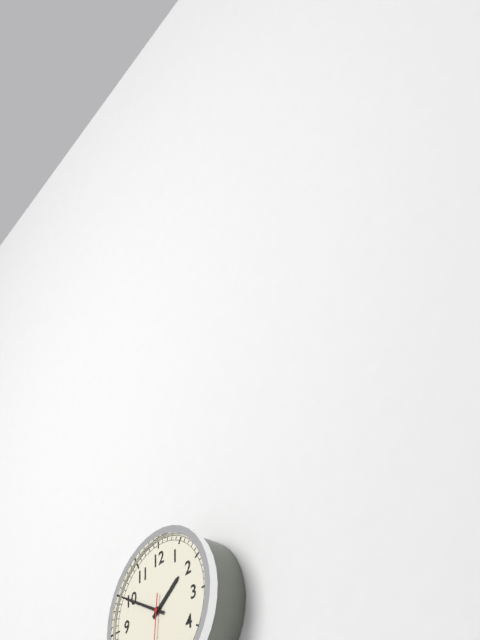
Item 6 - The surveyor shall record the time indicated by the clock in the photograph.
1:50
